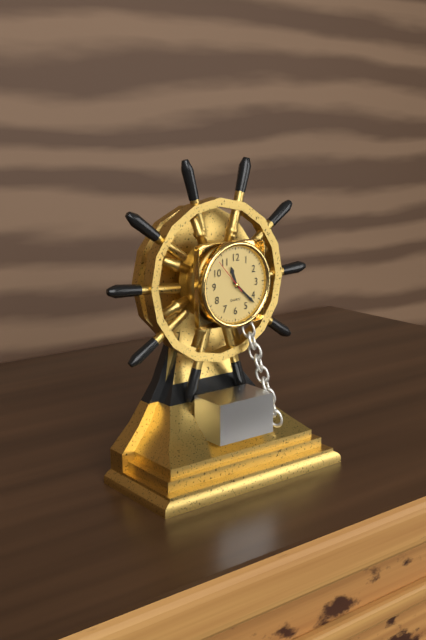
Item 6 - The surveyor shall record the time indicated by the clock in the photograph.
11:22
